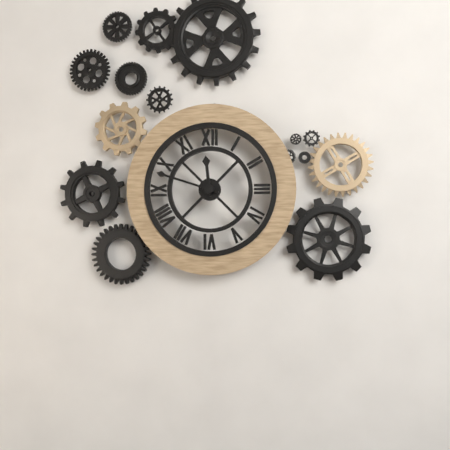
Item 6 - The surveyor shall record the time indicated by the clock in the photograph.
11:48
